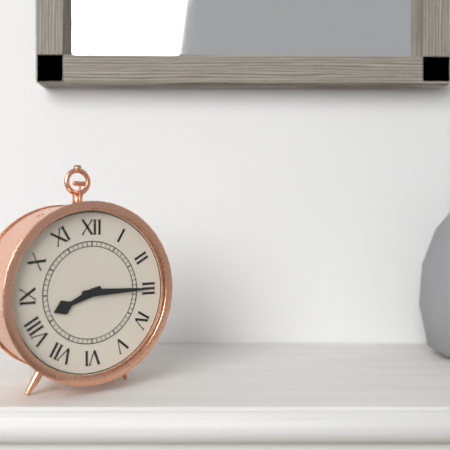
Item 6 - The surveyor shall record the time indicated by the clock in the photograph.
8:15
